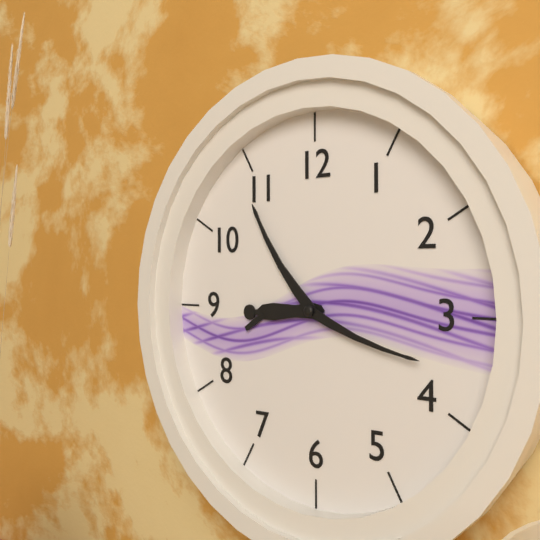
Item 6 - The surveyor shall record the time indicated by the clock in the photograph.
8:54:18
